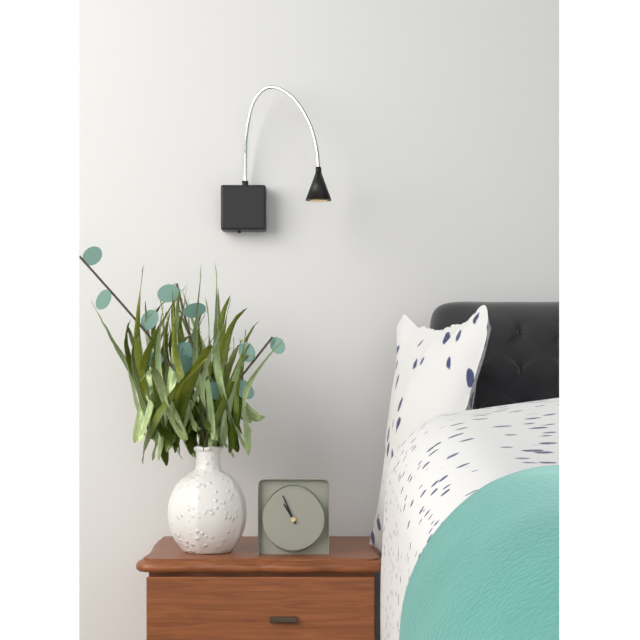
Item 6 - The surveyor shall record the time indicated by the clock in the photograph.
10:56
